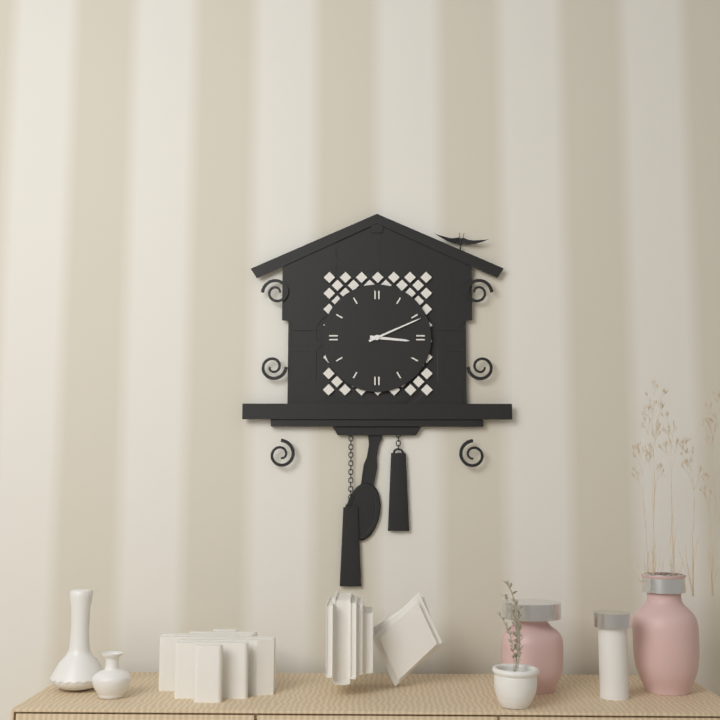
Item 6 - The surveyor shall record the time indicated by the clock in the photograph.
3:11
